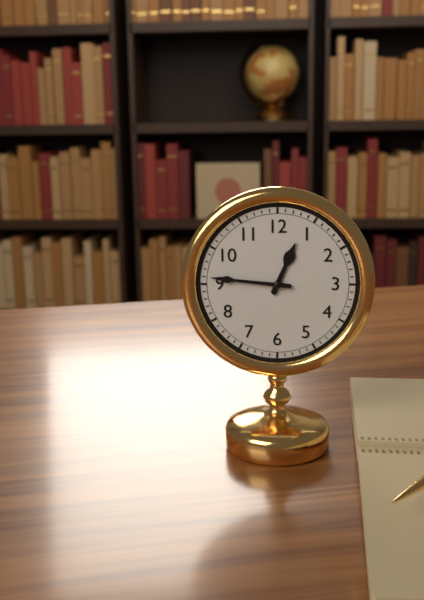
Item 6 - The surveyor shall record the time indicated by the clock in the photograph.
12:46
